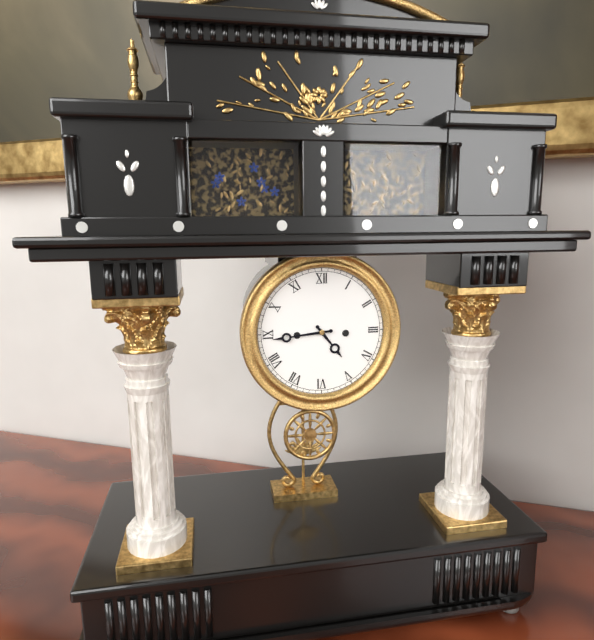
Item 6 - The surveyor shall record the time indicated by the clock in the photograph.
4:44
